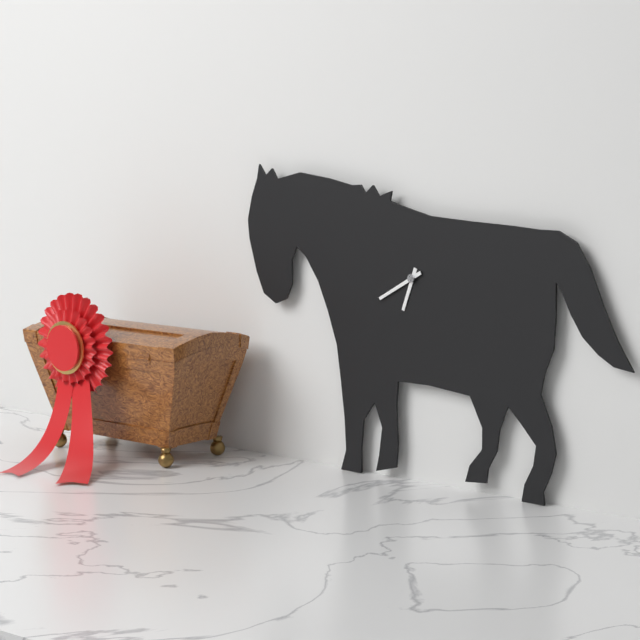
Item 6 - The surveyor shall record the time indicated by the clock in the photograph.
6:40
